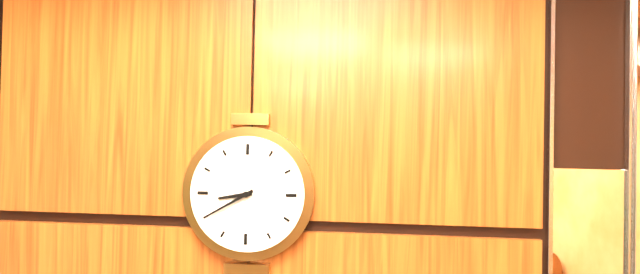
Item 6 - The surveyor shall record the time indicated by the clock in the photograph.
8:40
